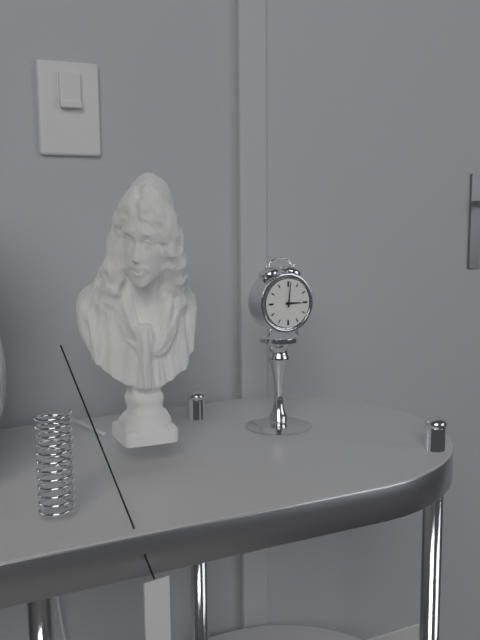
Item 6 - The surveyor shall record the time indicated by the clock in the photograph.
3:01
